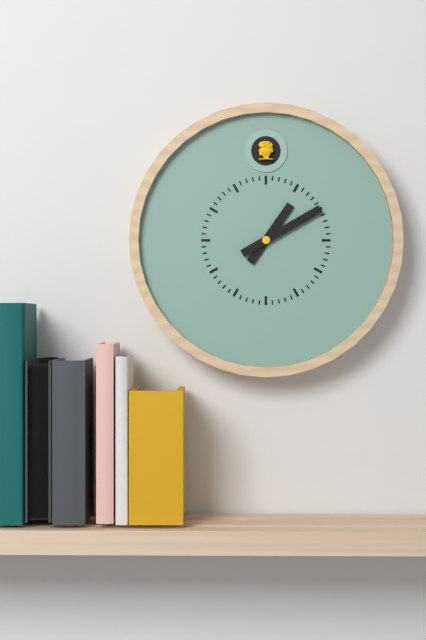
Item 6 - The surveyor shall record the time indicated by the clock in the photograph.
1:10
